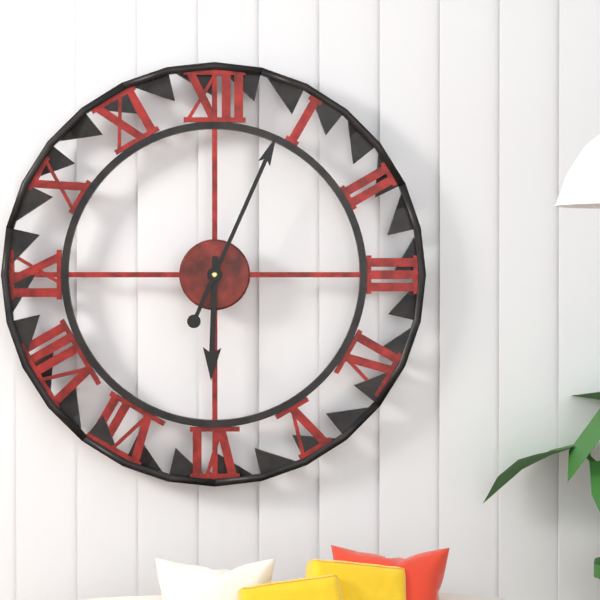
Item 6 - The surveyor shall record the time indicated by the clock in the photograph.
6:04
